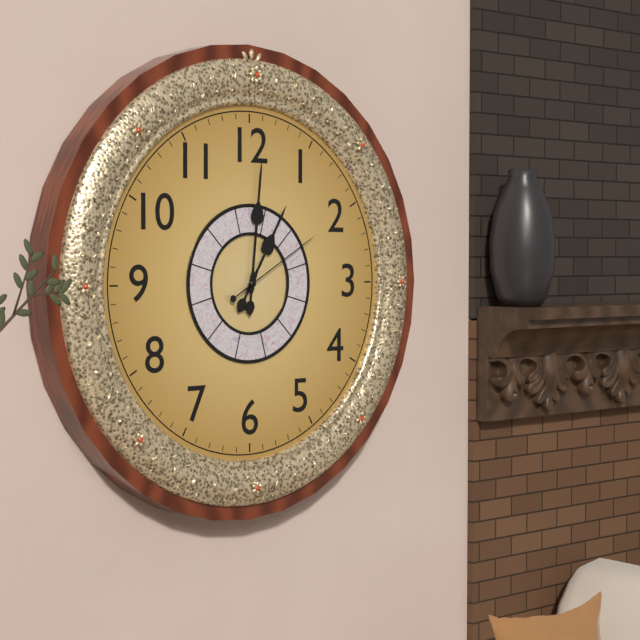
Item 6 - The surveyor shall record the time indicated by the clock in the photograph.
1:01:10
